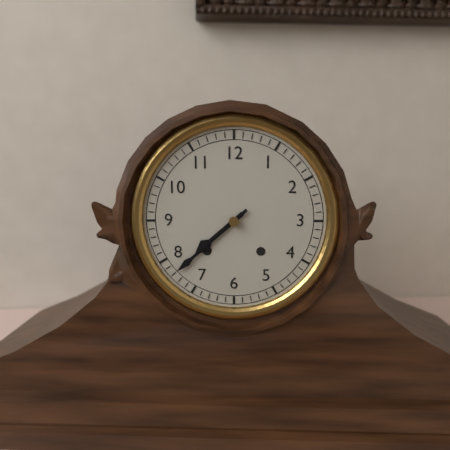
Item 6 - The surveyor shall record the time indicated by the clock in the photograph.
7:38
